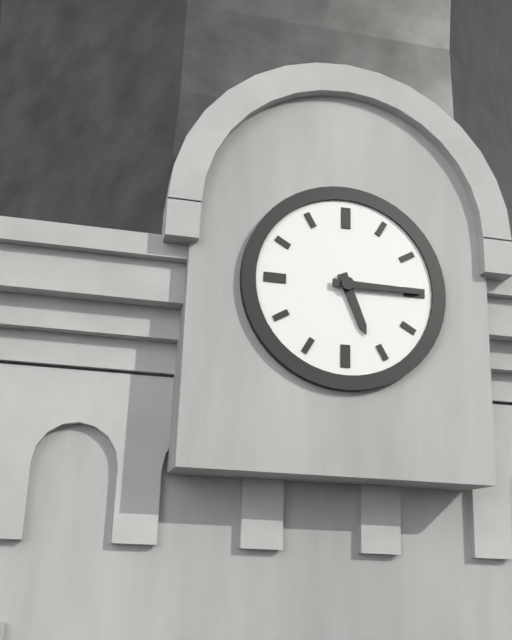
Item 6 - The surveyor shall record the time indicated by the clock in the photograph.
5:15
